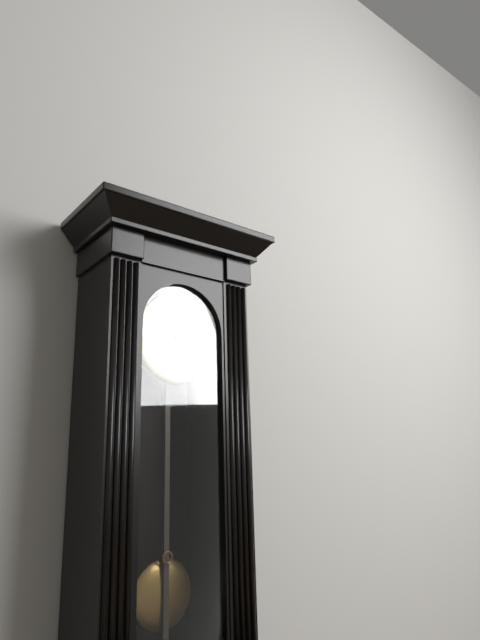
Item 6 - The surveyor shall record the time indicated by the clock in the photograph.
7:29
